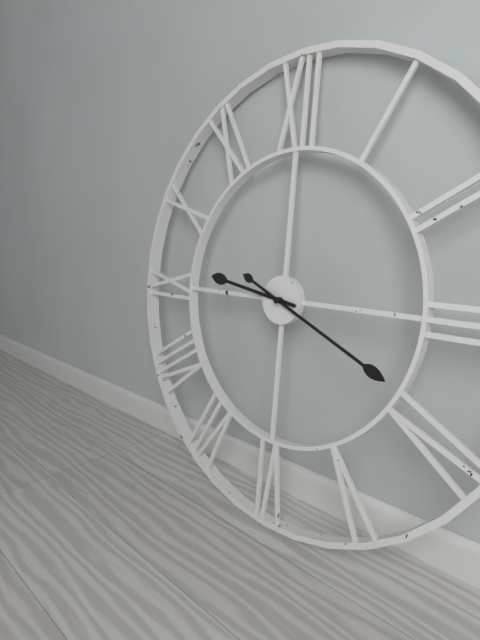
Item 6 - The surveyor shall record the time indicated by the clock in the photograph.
9:19
